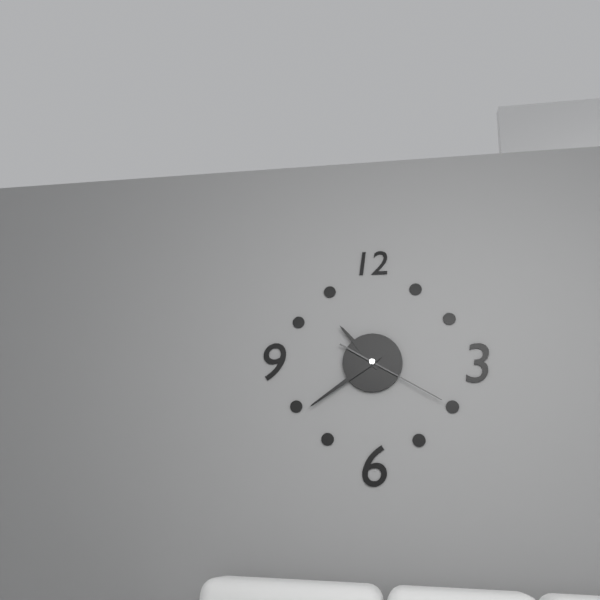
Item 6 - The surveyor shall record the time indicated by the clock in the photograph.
10:39:20
